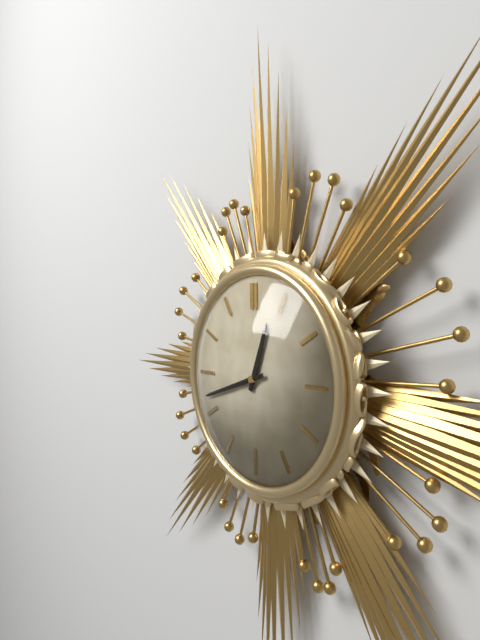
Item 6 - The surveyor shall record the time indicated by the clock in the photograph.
12:42
